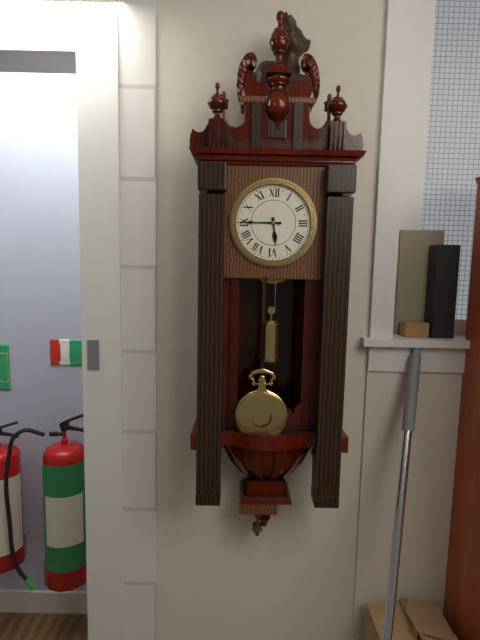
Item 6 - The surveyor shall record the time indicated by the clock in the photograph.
5:45
